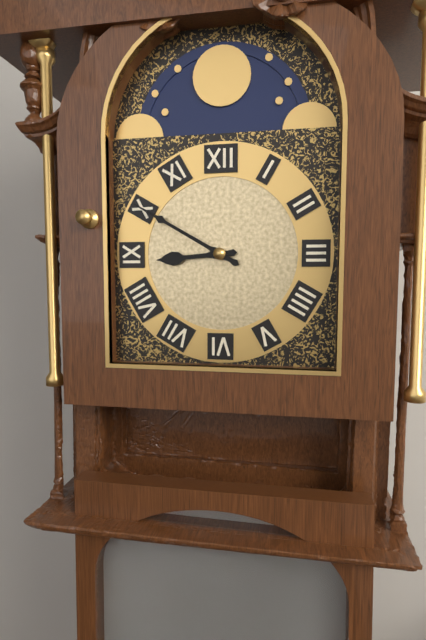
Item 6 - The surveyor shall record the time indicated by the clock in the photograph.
8:50
